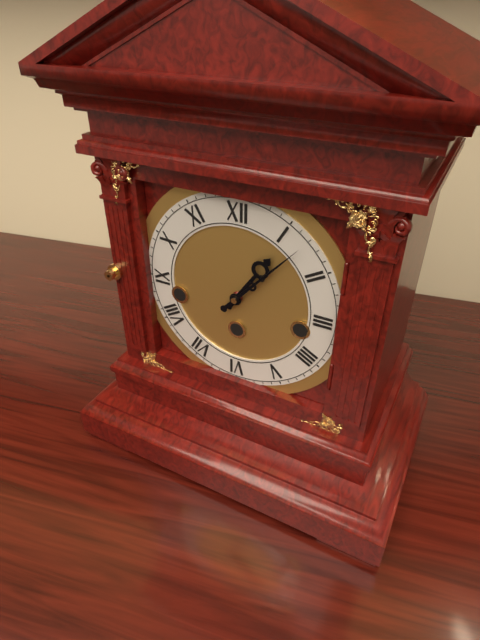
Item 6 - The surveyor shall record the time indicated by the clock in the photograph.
1:07
